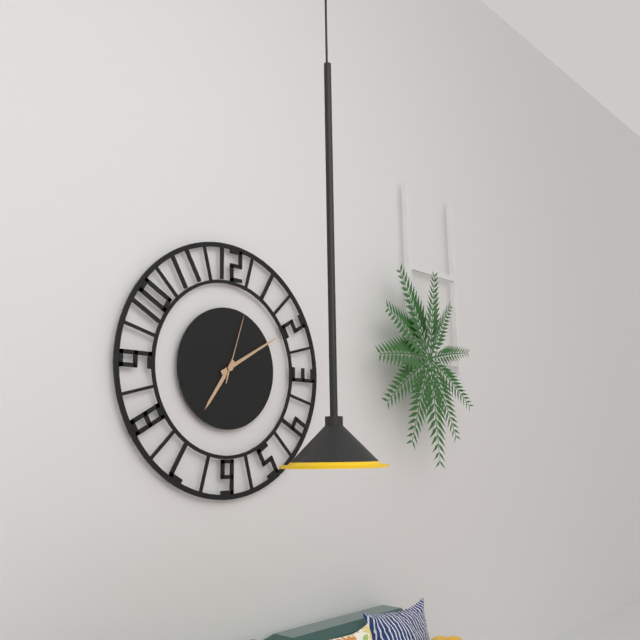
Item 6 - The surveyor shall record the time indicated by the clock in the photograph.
7:10:03
